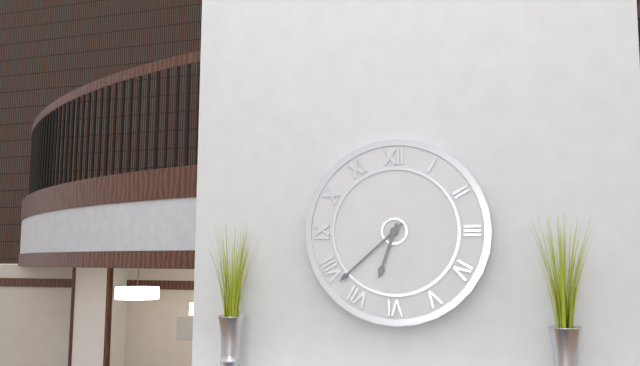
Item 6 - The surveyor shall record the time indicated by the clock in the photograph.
6:38
